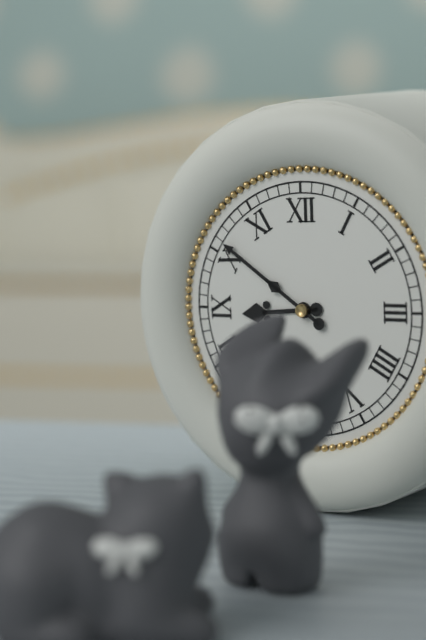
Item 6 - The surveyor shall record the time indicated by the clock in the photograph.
8:51
